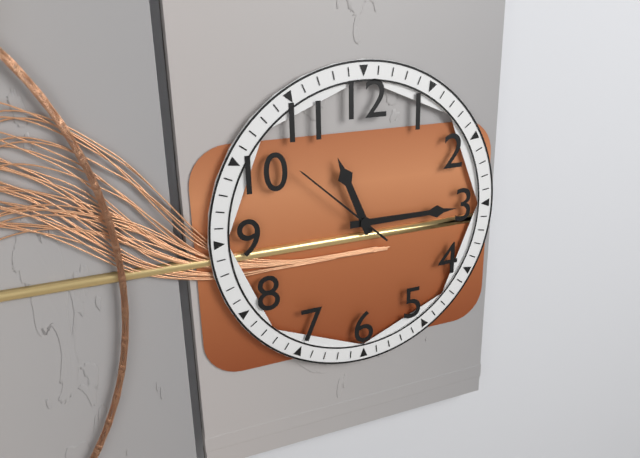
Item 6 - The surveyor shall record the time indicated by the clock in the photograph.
11:15:52
